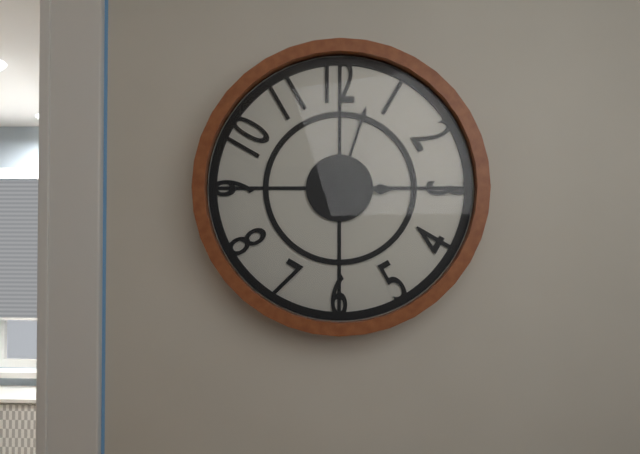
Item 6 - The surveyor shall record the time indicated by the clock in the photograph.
3:03
